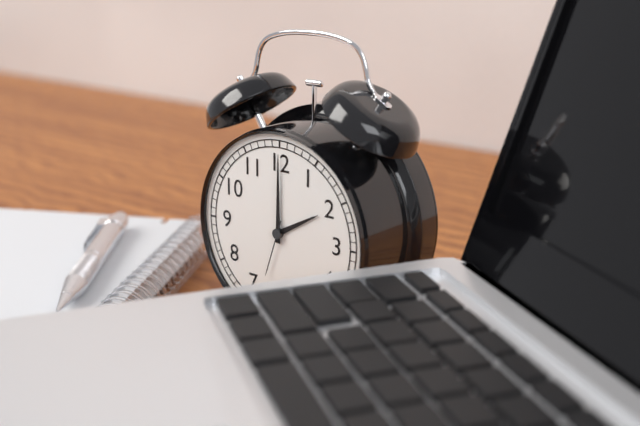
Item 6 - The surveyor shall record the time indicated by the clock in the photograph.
2:00:33
